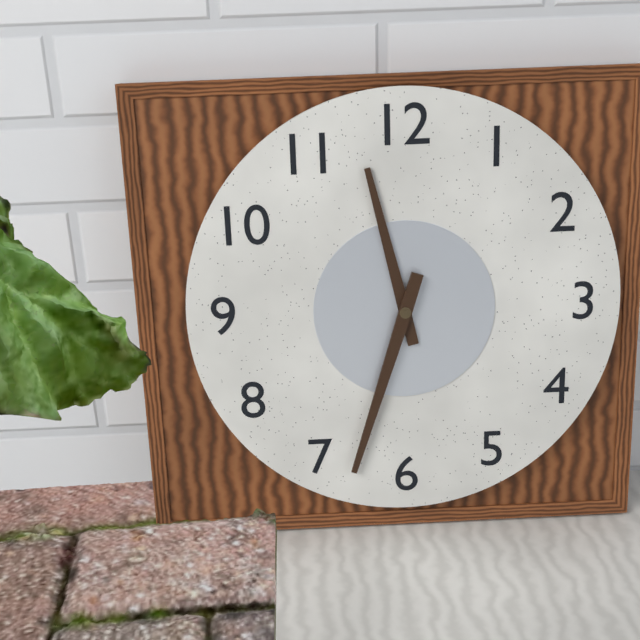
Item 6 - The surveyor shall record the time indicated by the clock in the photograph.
11:33
